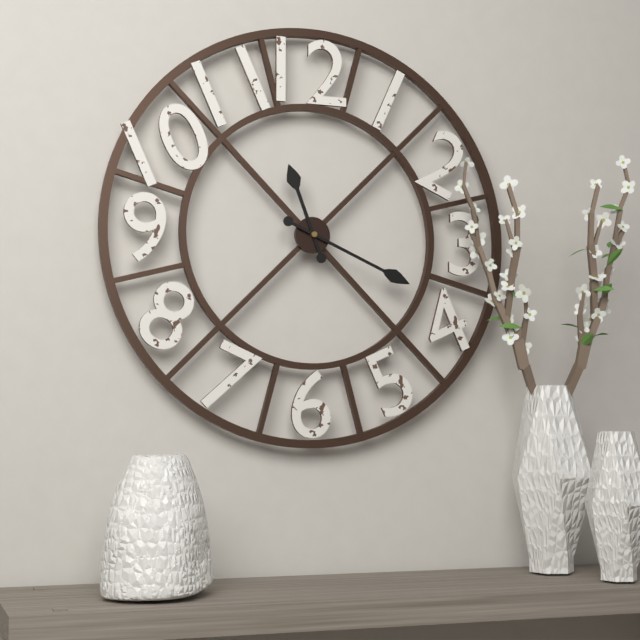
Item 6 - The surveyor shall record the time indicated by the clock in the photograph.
11:19
